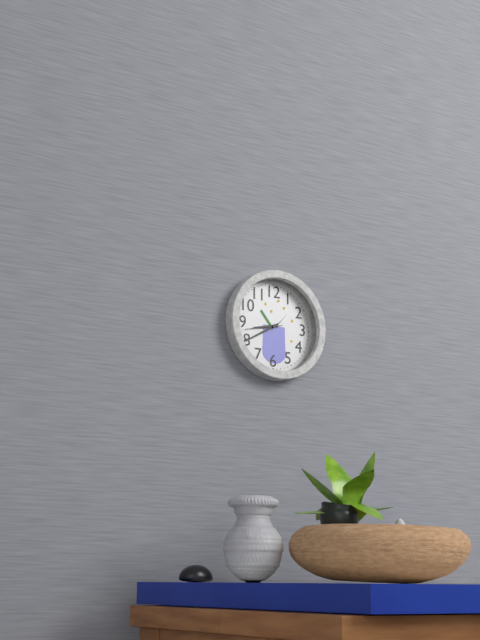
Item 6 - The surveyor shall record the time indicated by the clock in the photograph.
8:40
